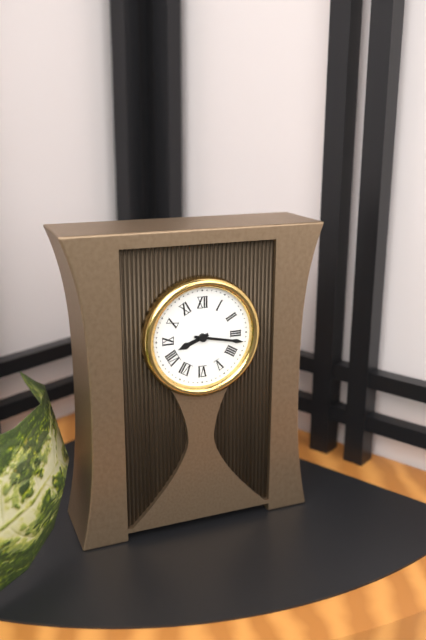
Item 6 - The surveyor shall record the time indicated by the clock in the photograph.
8:17
